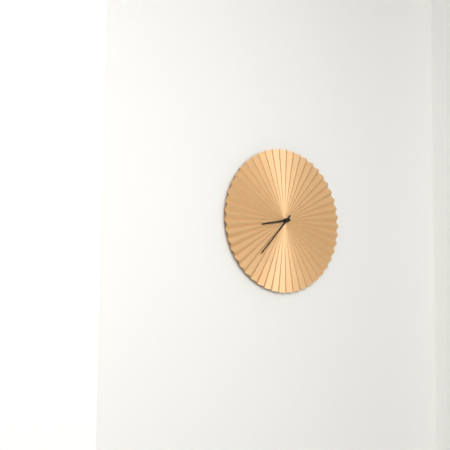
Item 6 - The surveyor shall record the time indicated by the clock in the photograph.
8:37
